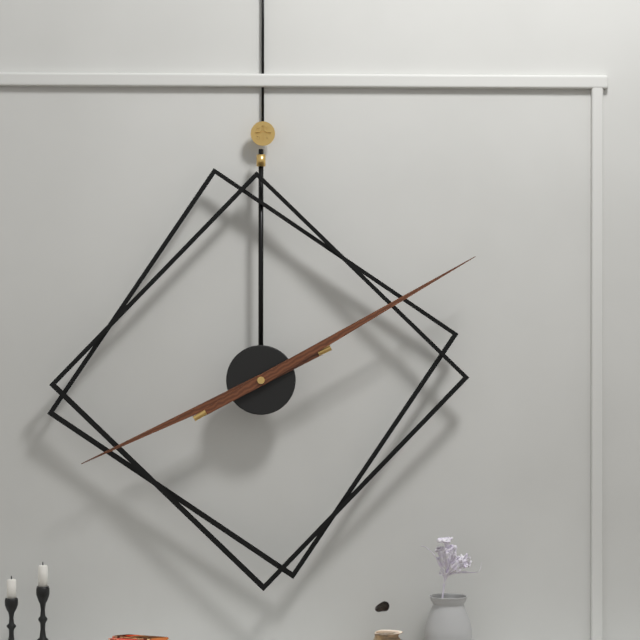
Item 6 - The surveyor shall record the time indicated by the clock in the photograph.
8:10
